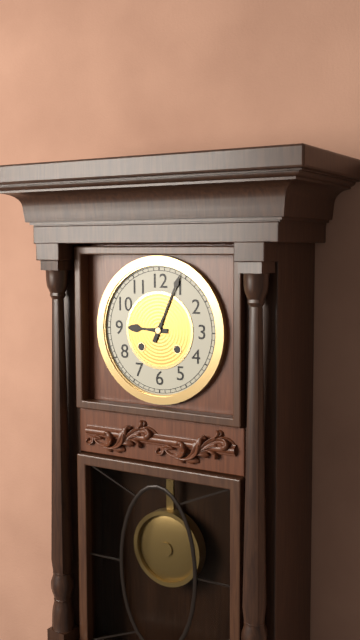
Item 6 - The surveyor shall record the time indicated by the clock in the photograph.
9:04
